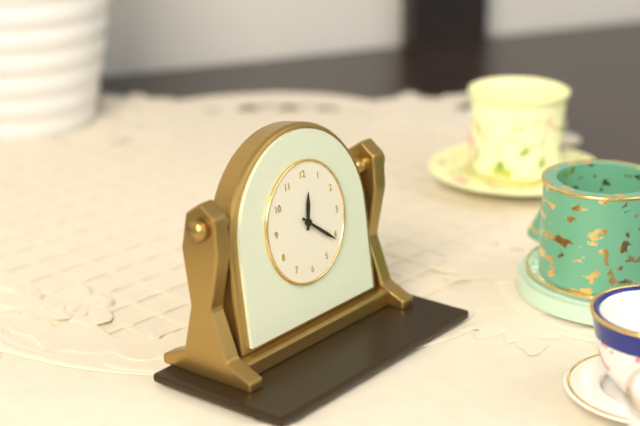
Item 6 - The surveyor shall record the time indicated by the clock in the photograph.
12:21
